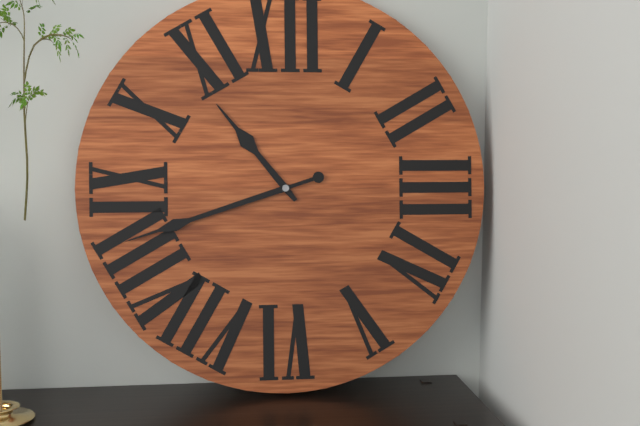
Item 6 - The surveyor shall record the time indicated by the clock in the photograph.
10:42
